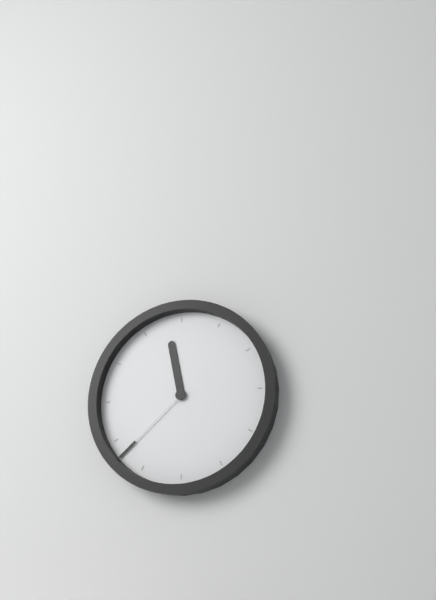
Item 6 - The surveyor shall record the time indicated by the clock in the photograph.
11:38
